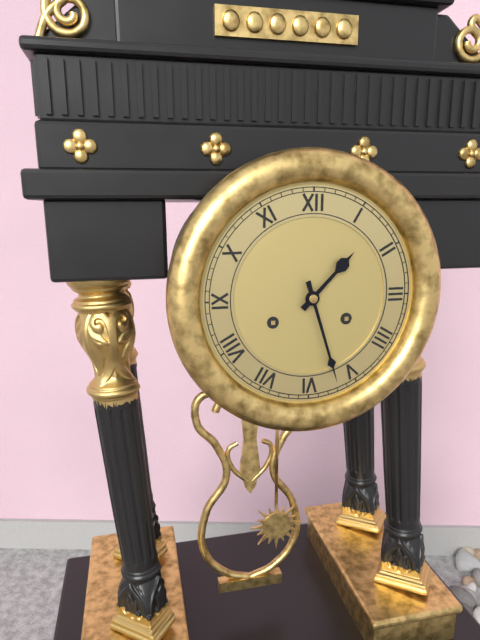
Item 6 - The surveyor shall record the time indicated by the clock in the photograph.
1:27
